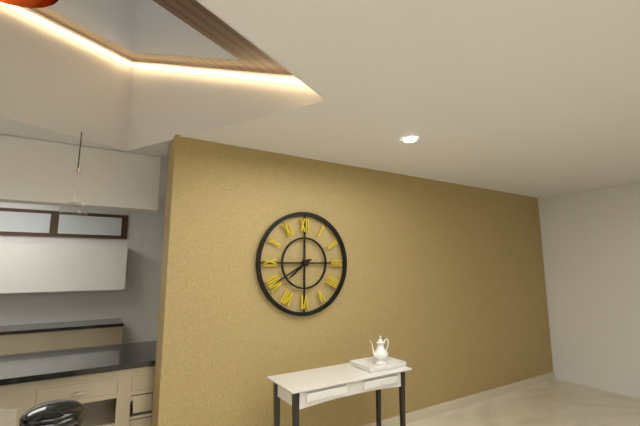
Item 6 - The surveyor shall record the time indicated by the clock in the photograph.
7:40
